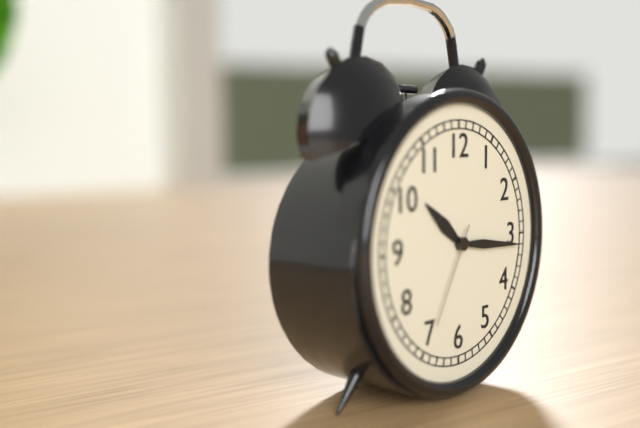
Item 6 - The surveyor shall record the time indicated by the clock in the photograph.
10:16:35
